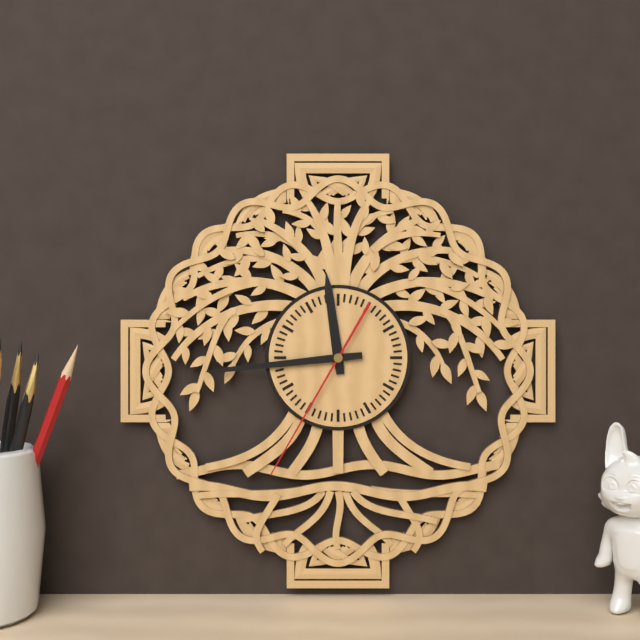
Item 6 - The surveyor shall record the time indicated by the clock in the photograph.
11:44:35
